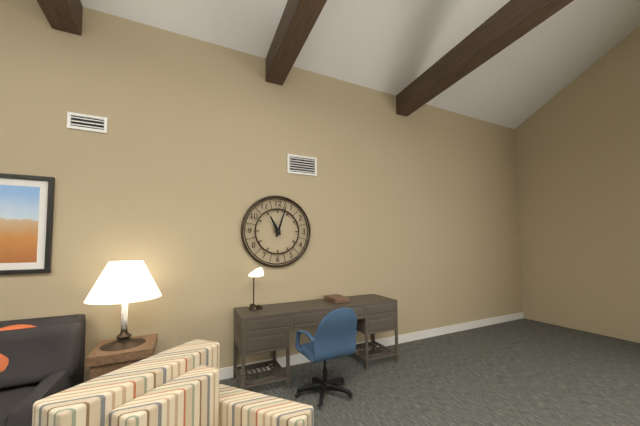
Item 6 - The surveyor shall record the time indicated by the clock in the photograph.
11:03
